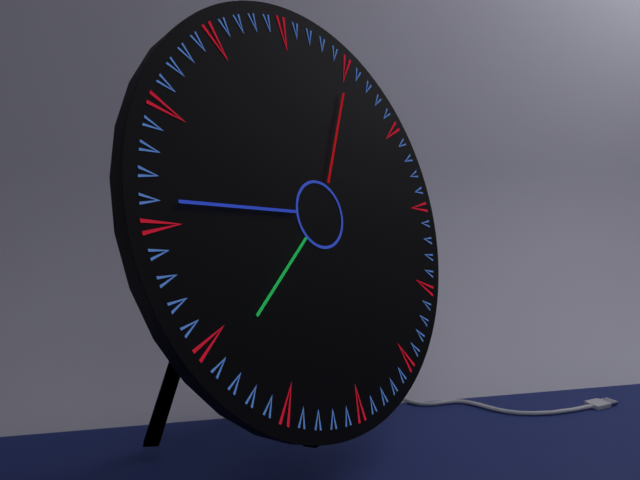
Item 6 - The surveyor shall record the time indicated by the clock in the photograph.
7:46:05
